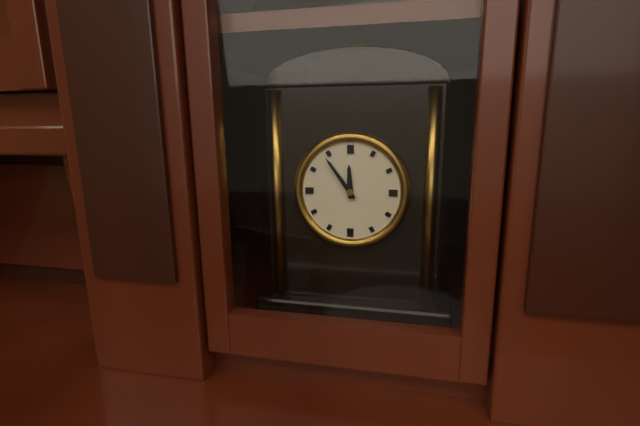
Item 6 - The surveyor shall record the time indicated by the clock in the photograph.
11:54
